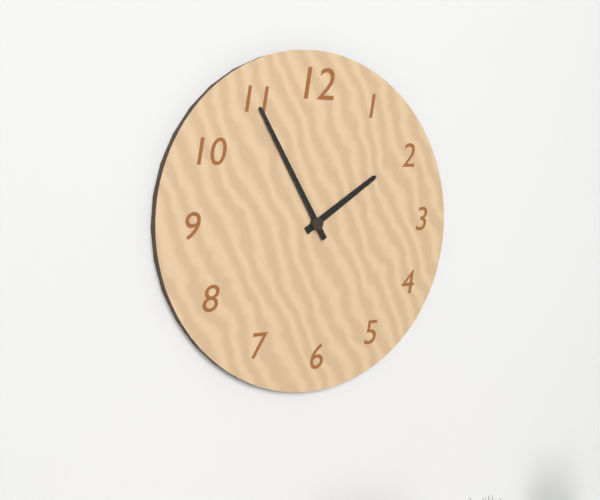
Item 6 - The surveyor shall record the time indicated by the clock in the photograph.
1:55
